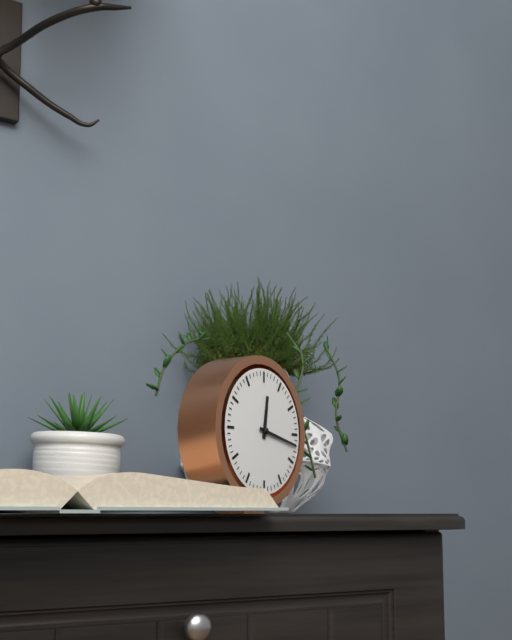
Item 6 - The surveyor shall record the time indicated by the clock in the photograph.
12:17
